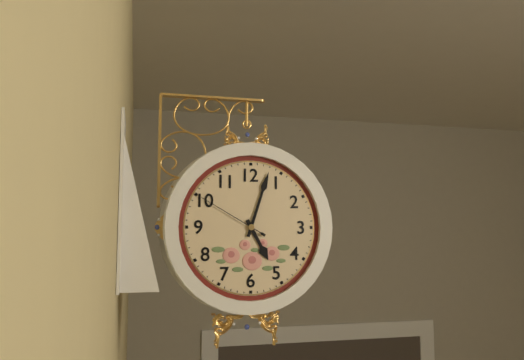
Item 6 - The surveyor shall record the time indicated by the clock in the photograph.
5:03:50
